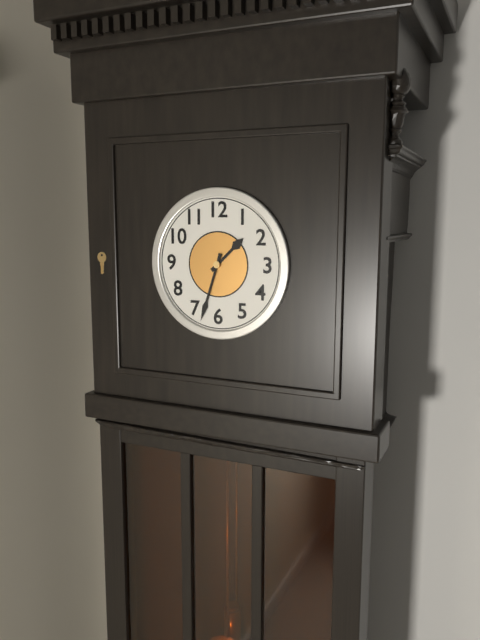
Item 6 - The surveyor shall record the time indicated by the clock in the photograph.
1:33
